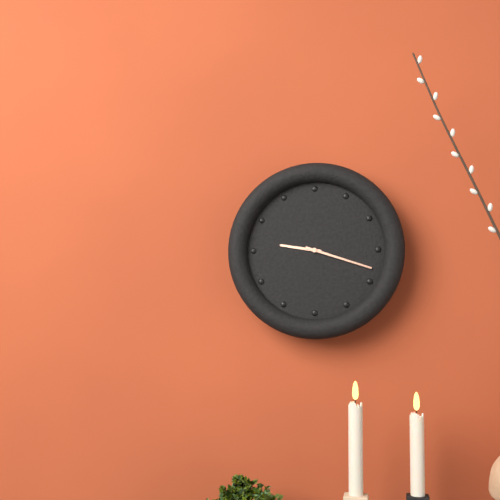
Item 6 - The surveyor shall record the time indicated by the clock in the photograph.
9:18
